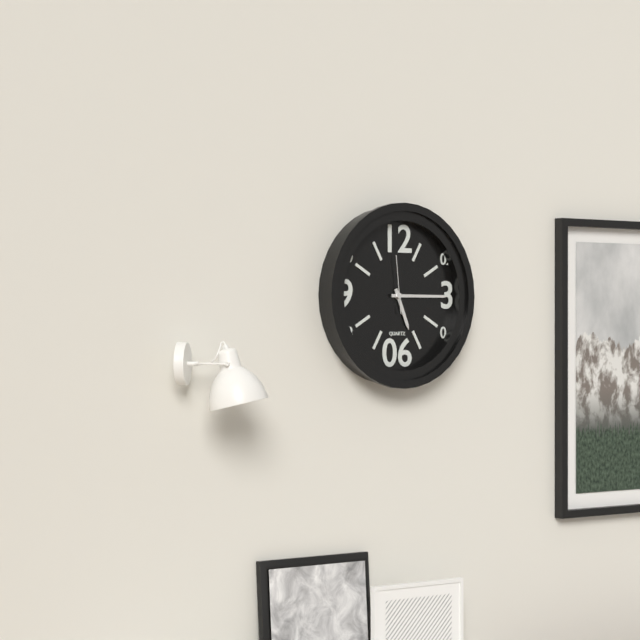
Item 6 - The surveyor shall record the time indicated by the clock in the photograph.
5:15:59
